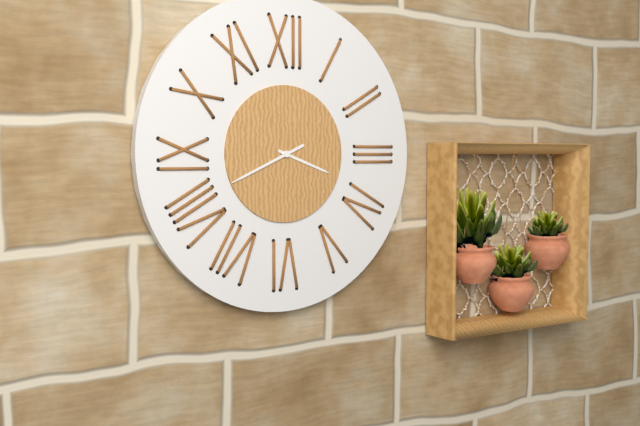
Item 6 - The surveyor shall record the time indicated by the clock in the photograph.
3:41
